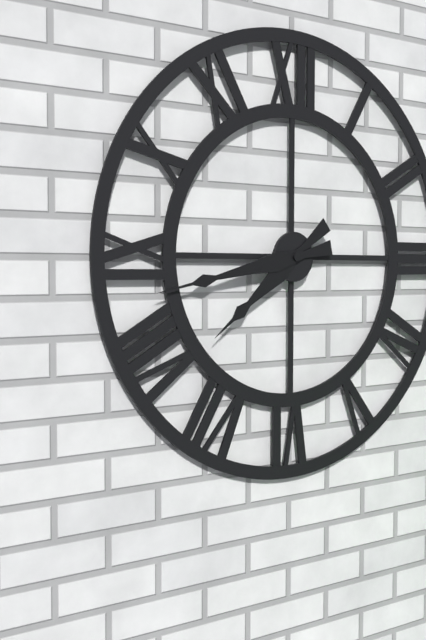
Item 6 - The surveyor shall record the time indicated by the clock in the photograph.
7:43
